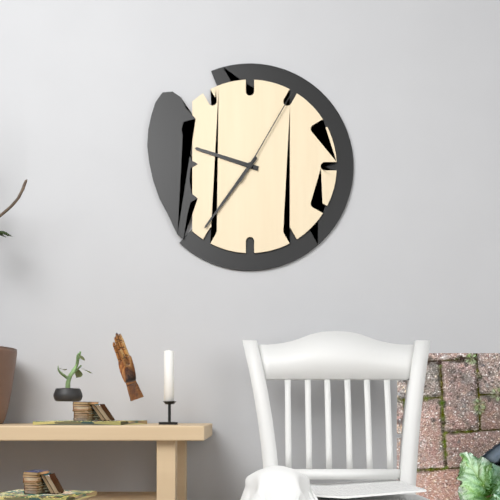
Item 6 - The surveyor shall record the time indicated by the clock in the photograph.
9:36:05
